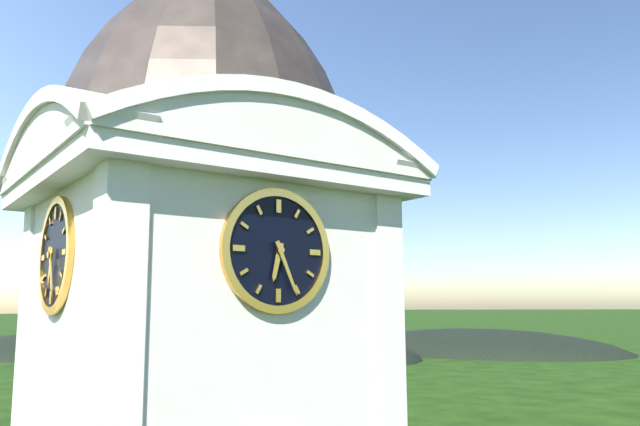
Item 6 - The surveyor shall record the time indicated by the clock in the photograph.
6:26
